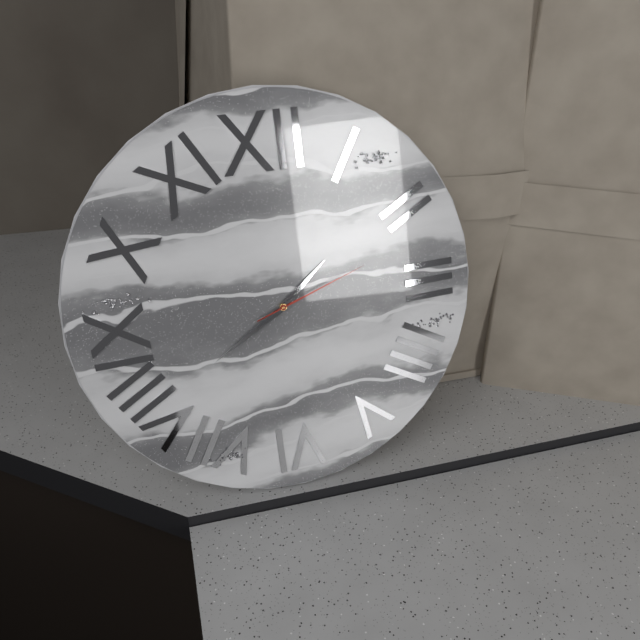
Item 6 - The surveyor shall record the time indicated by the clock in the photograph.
1:40:12
